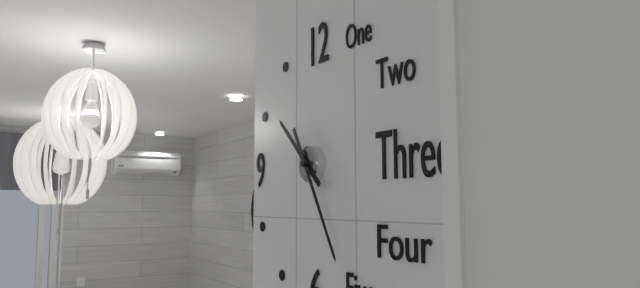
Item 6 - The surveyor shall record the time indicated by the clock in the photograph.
10:25
